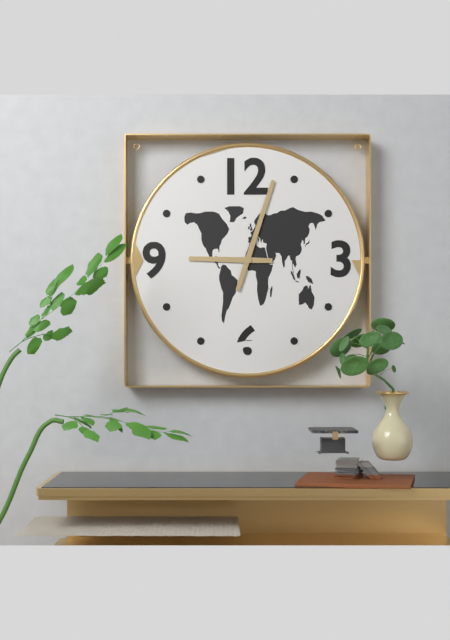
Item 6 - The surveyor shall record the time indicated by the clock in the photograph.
9:03
